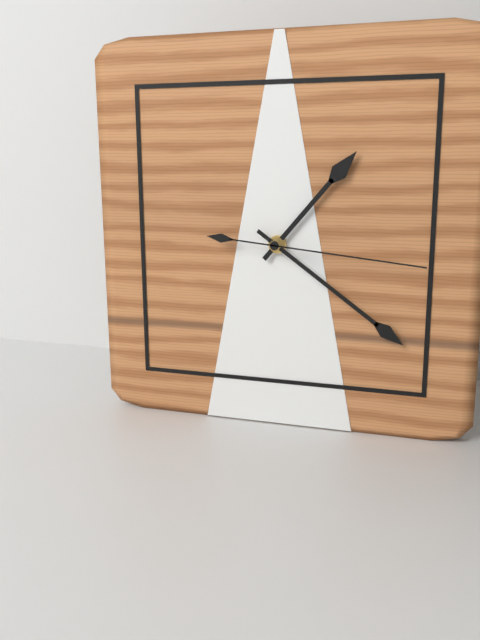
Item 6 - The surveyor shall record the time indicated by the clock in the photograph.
1:21:16
